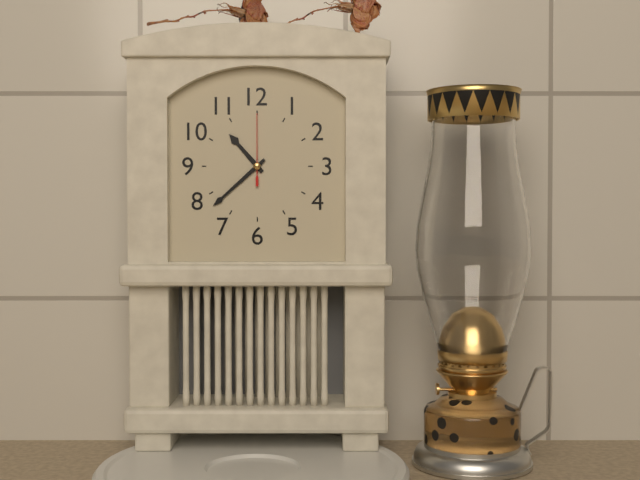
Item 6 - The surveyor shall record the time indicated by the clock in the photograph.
10:38:00
